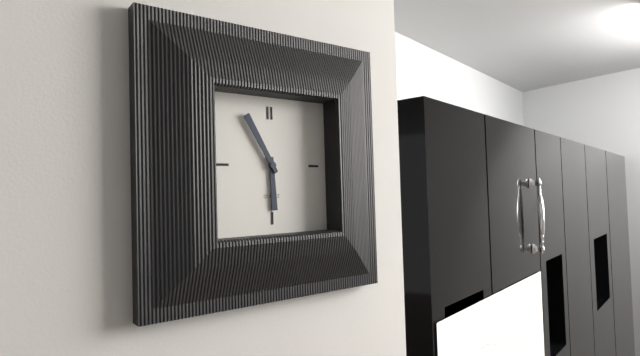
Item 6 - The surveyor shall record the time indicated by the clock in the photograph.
5:55
